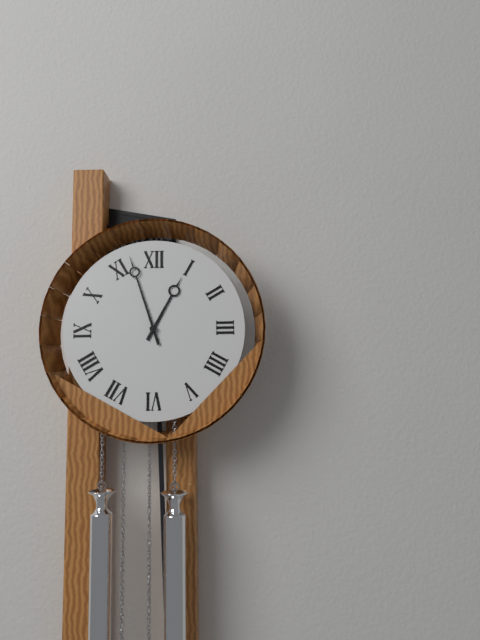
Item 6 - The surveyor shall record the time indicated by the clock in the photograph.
12:57
